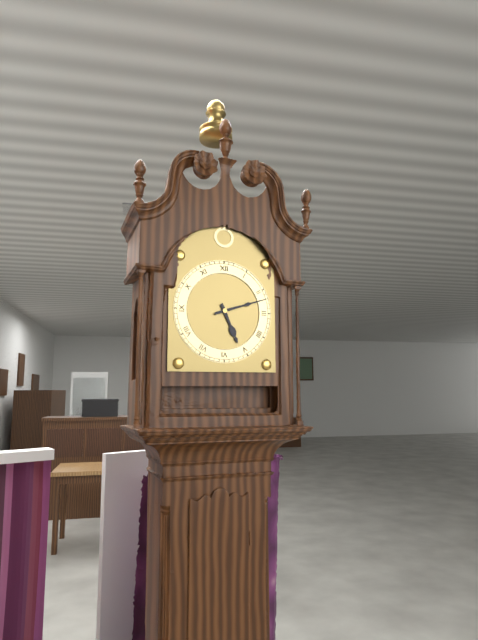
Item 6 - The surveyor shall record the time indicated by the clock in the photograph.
5:12
